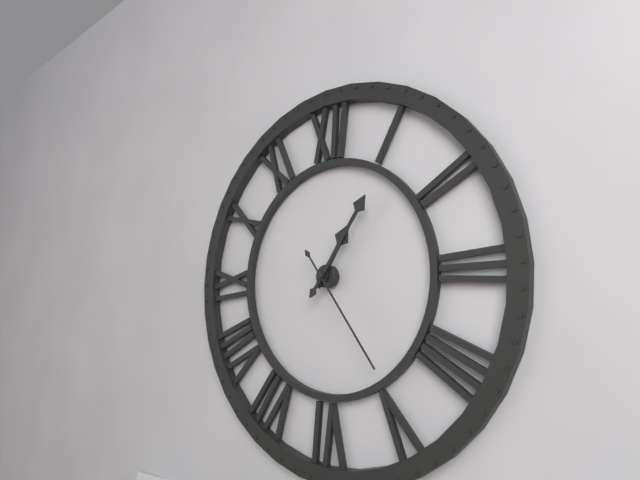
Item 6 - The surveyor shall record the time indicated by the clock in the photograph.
1:06:24
